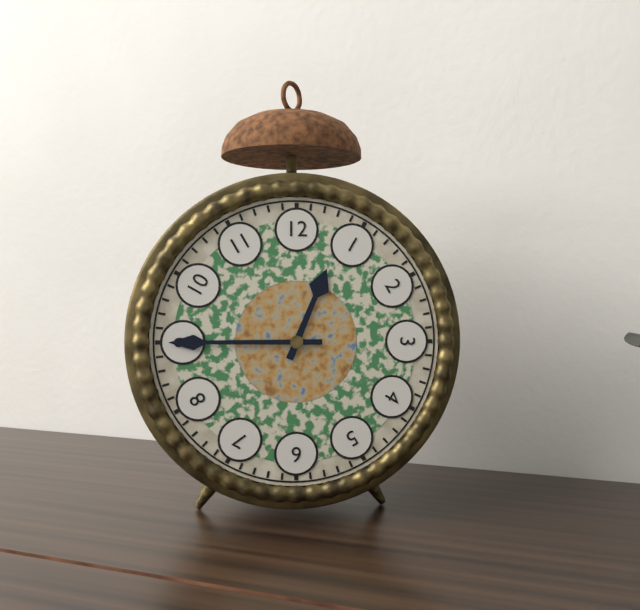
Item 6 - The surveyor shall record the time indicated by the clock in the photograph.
12:45
